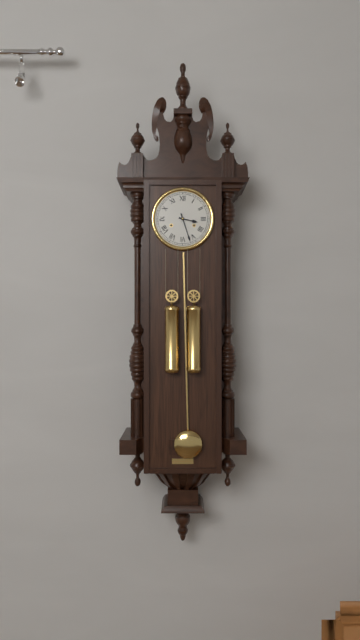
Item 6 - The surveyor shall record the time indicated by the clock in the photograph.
3:27
